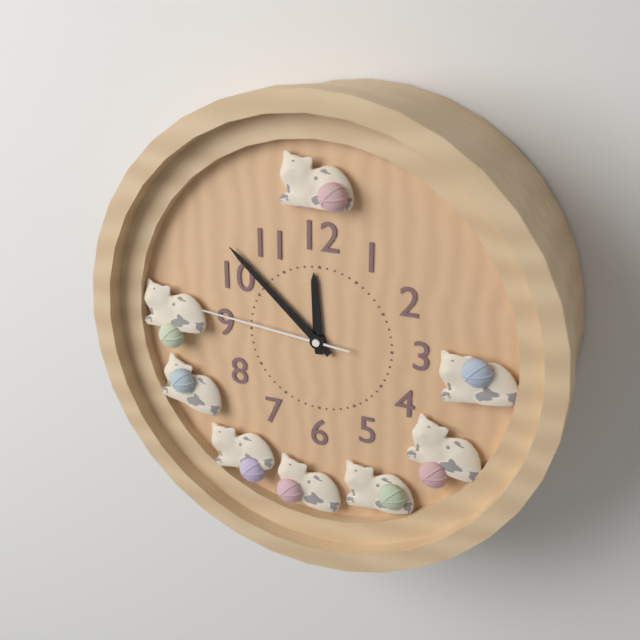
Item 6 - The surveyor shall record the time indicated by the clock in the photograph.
11:52:46
